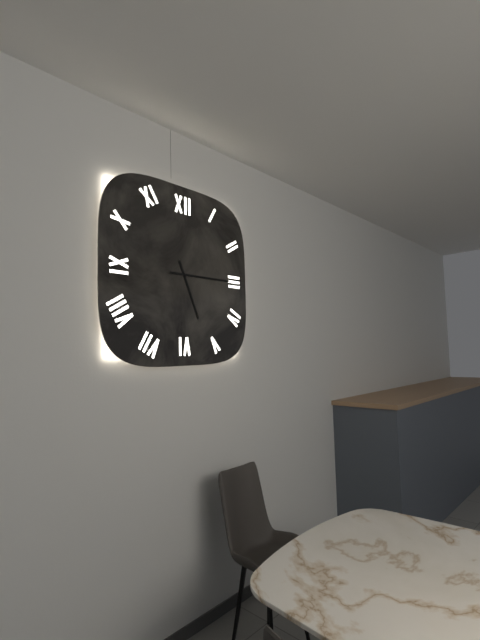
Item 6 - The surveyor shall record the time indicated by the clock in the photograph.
5:15
